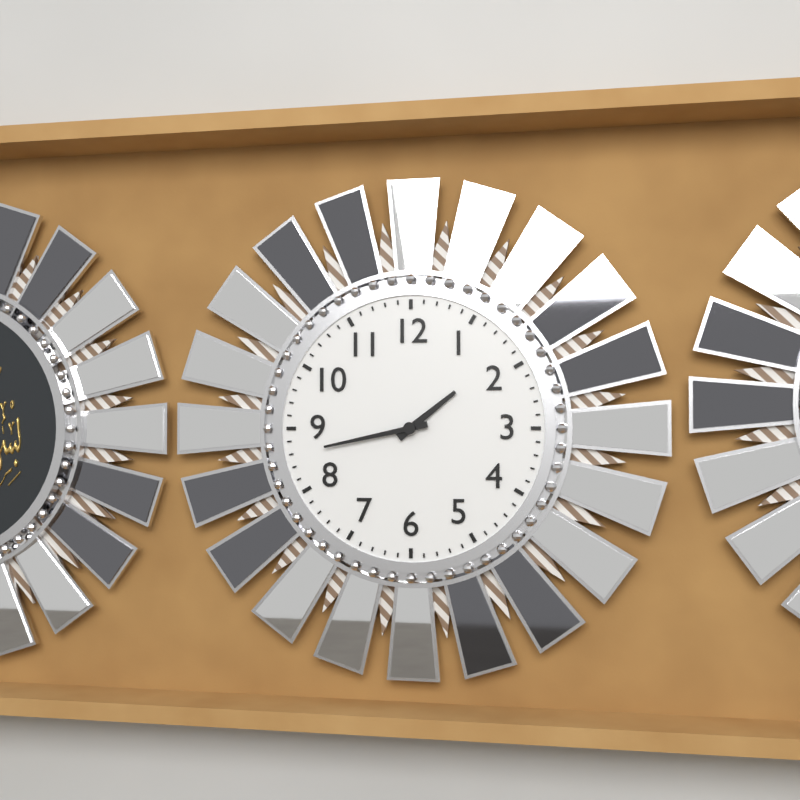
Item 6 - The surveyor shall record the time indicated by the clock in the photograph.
1:43
